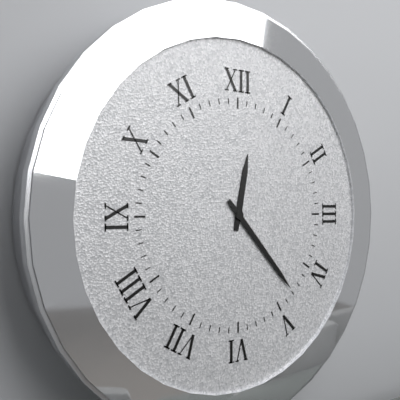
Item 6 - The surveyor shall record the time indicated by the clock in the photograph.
12:23
